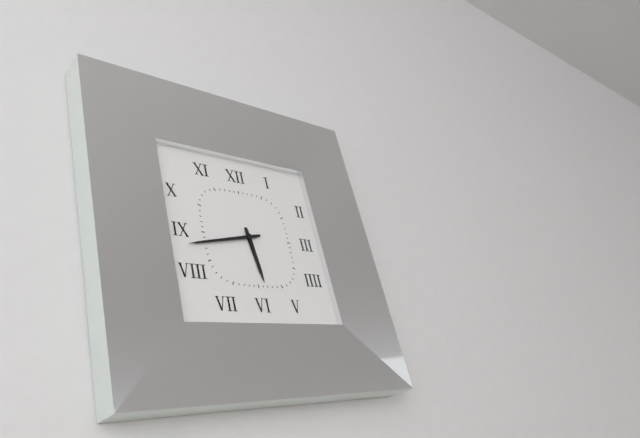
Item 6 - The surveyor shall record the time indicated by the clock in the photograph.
5:43
